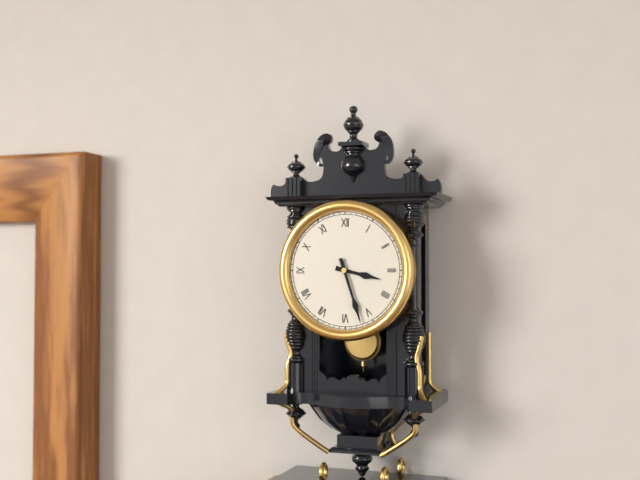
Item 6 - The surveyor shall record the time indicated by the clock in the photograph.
3:27
